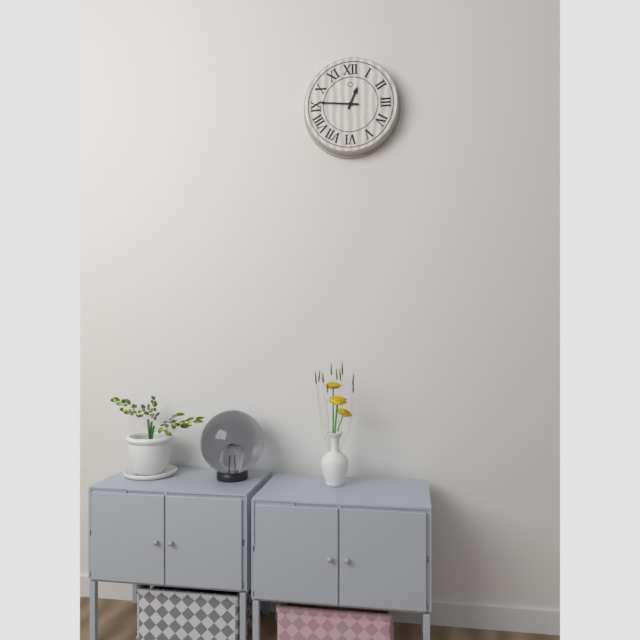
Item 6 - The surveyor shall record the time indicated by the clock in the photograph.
12:46
